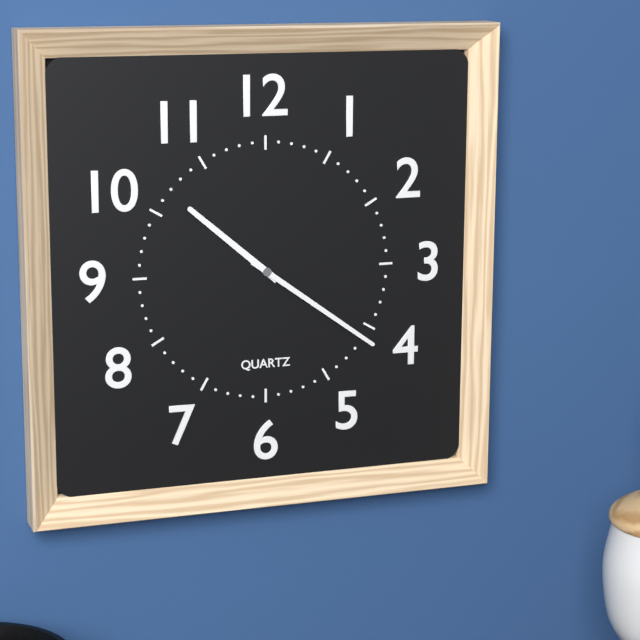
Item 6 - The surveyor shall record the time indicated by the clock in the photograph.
10:21
